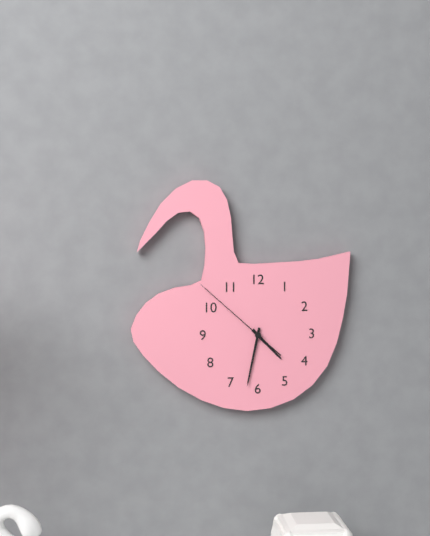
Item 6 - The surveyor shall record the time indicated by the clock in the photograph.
4:32:52
